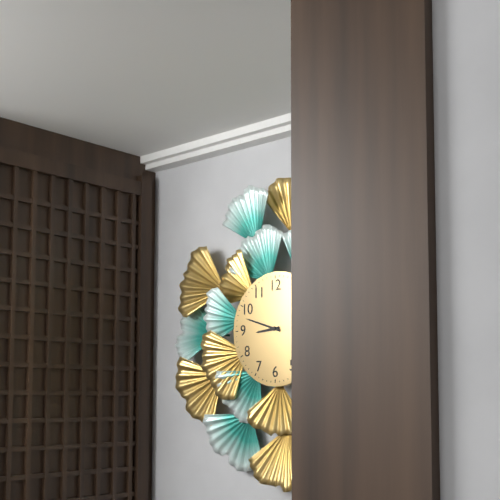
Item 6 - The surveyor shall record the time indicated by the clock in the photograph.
8:48
